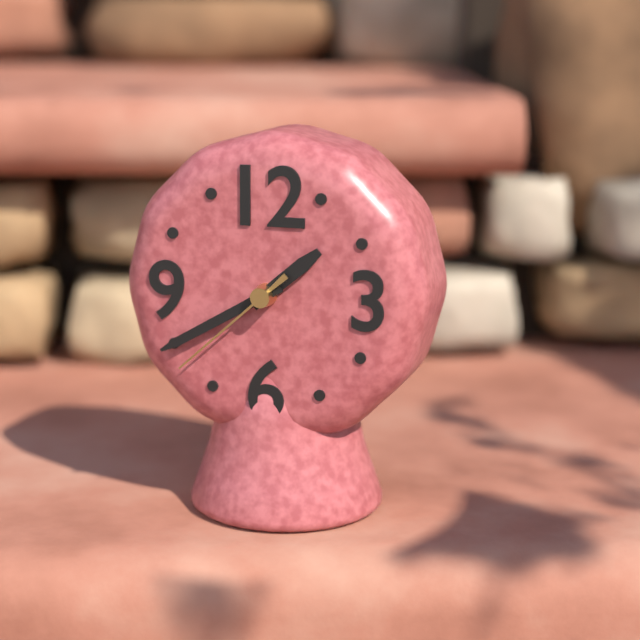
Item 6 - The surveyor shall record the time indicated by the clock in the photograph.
1:40:38
